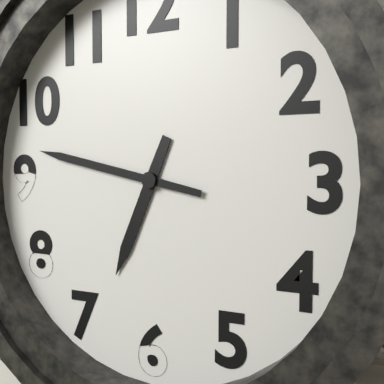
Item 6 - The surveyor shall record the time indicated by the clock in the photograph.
6:47
